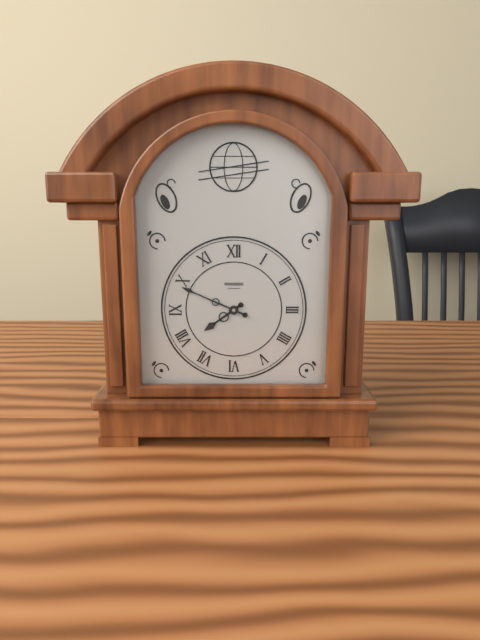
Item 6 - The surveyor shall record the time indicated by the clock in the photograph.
7:49
